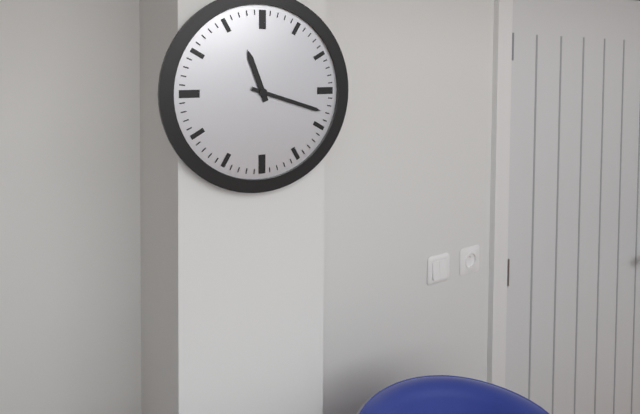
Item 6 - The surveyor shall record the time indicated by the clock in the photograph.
11:18
